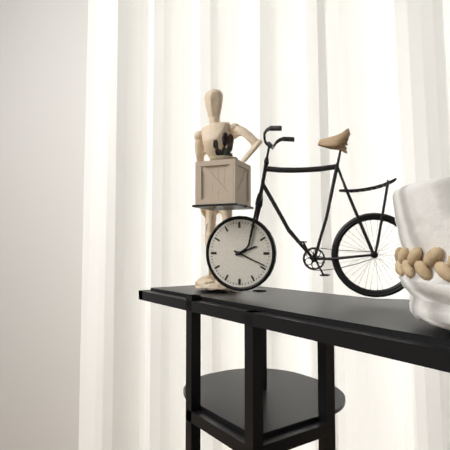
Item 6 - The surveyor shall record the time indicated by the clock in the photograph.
2:19
